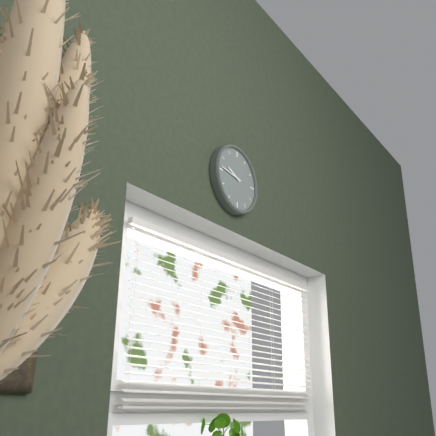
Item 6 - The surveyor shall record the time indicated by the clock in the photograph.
9:46
